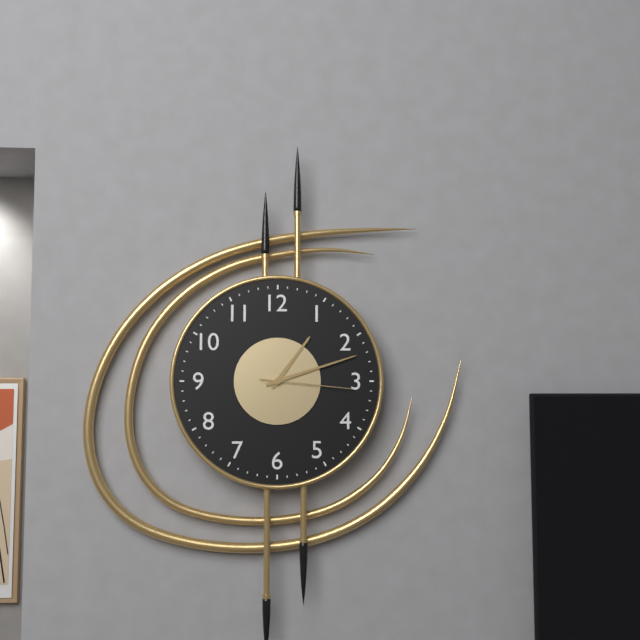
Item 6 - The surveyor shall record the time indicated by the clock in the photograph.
1:12:16
